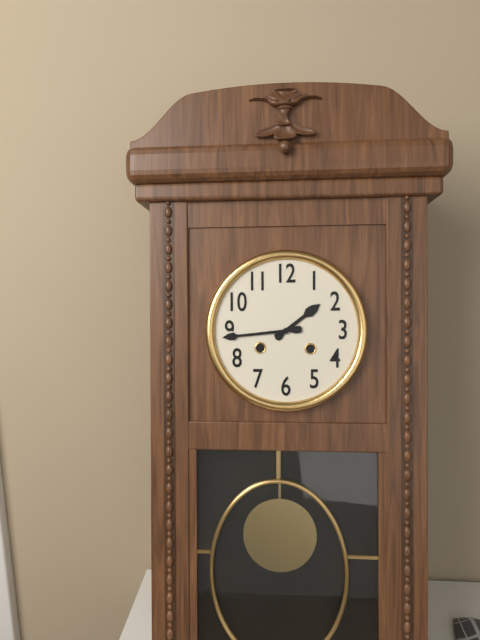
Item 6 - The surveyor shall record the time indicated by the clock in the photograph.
1:44
